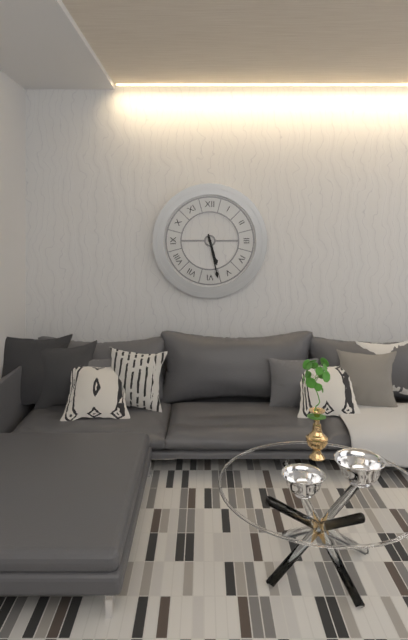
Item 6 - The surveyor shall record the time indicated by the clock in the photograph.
5:28
